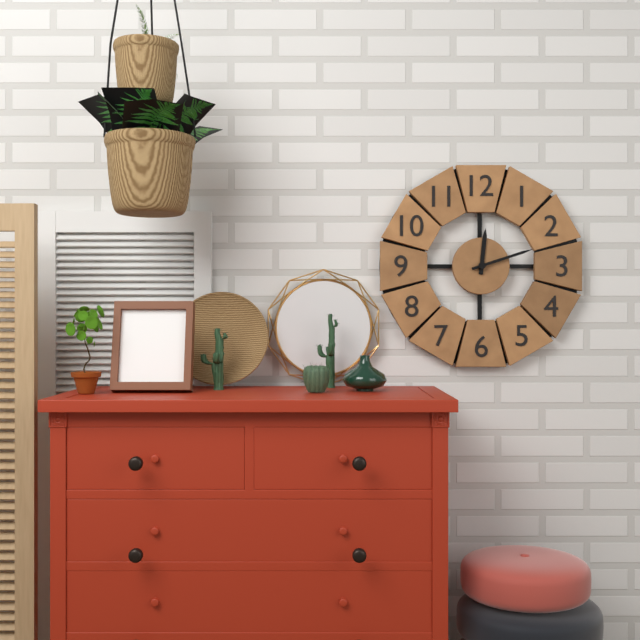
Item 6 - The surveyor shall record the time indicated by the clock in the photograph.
12:12
